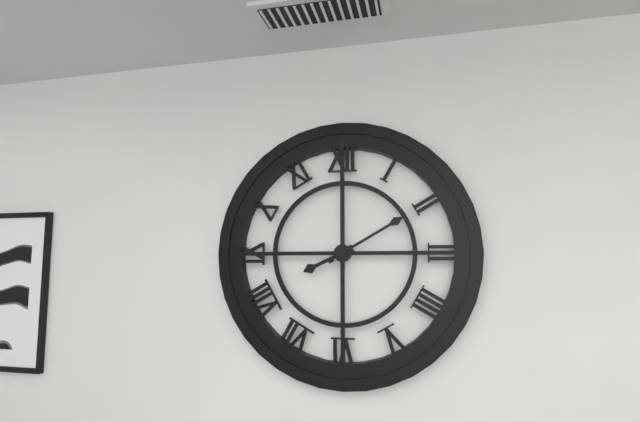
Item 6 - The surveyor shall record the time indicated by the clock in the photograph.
8:10
